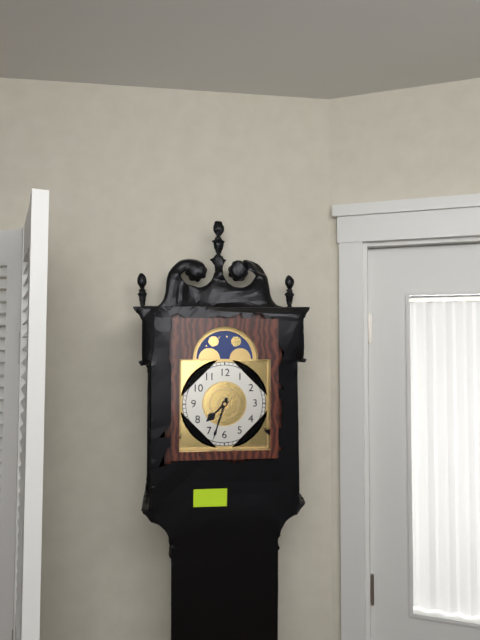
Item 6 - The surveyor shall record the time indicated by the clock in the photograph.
7:33
